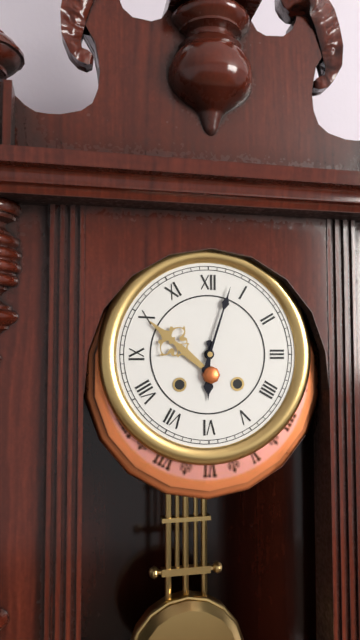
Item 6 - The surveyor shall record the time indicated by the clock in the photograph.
6:03
